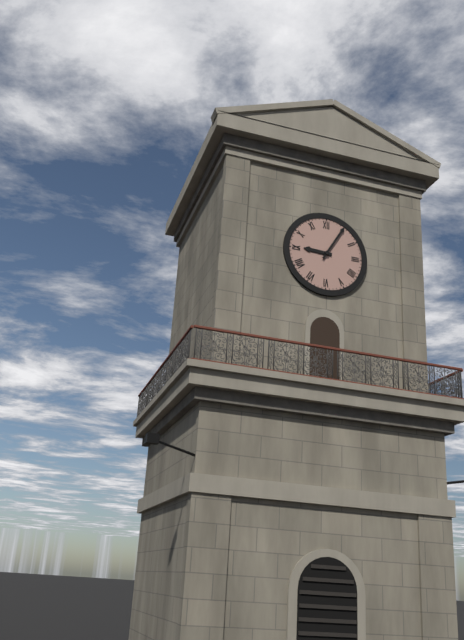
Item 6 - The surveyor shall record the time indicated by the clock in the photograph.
9:05
